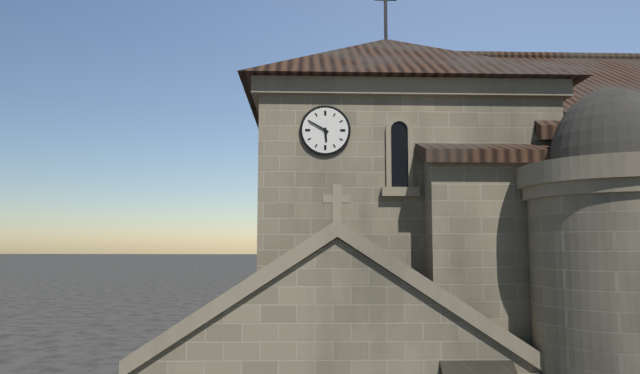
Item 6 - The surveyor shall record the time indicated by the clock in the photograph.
5:50
